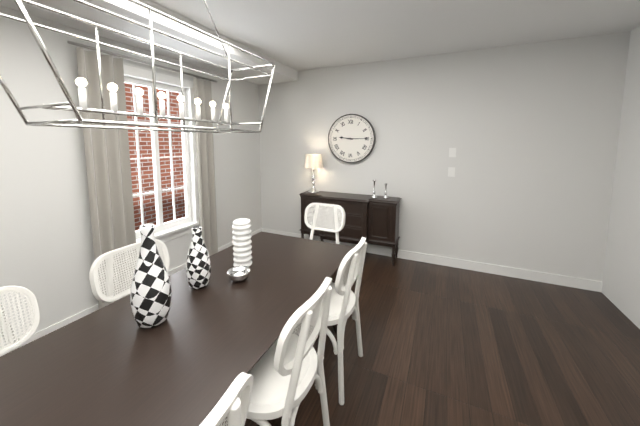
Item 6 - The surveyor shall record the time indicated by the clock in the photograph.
9:15
